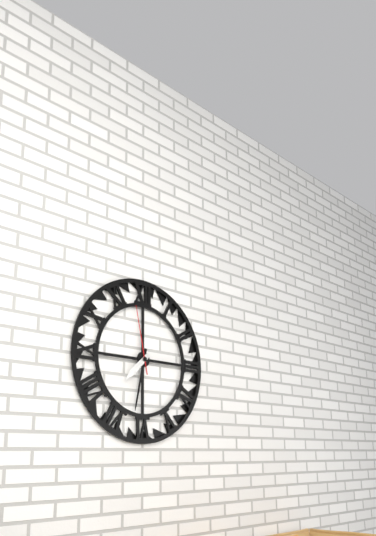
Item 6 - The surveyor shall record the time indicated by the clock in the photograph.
7:32:58
